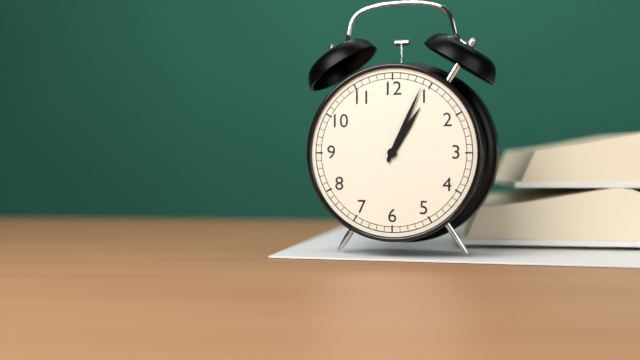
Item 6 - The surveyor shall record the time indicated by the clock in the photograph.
1:04
